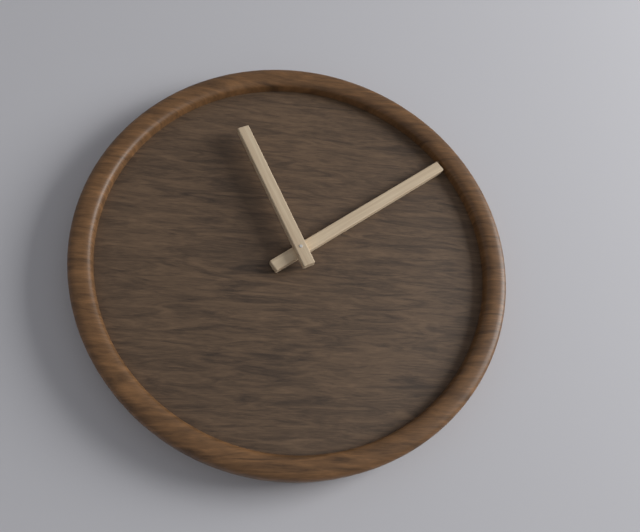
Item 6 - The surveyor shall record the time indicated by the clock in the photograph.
11:09
